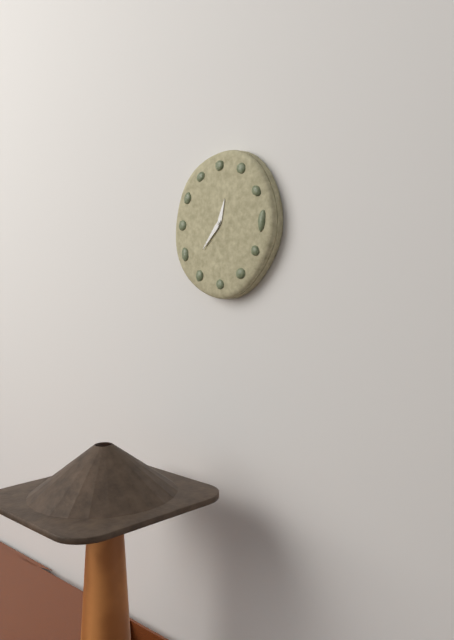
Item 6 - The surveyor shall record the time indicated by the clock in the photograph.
12:37
